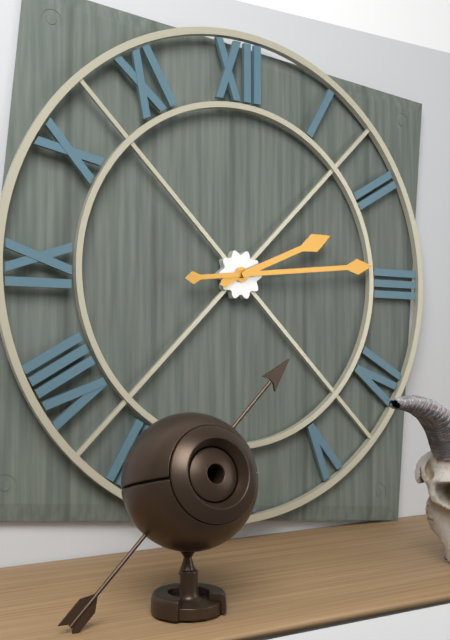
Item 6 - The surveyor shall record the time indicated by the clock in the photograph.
2:14
